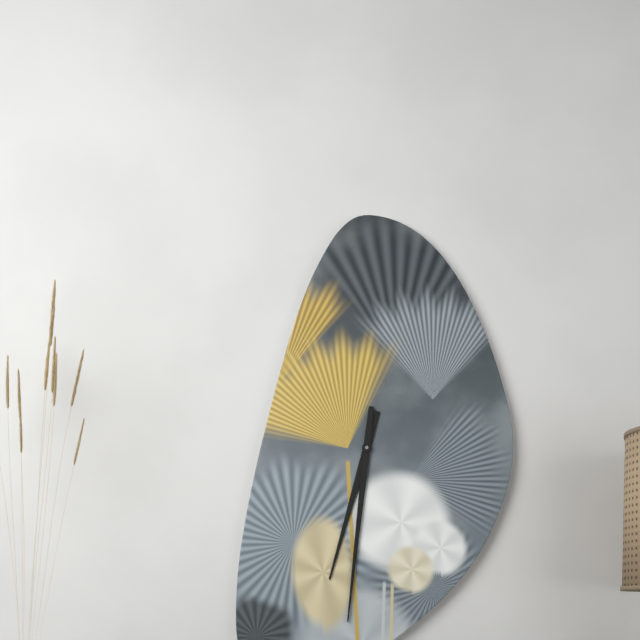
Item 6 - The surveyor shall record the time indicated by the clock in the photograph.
6:31
